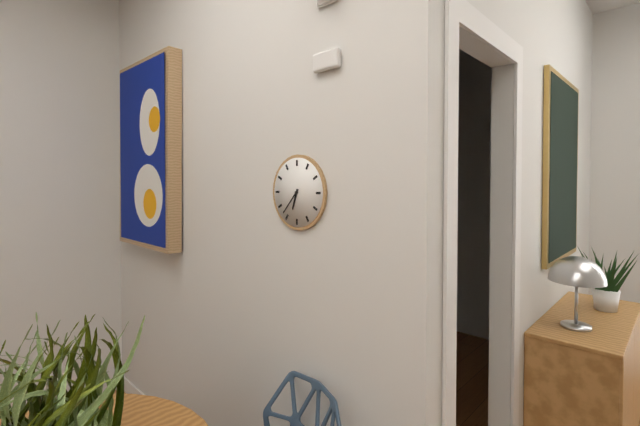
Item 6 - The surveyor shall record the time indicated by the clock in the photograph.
6:37
